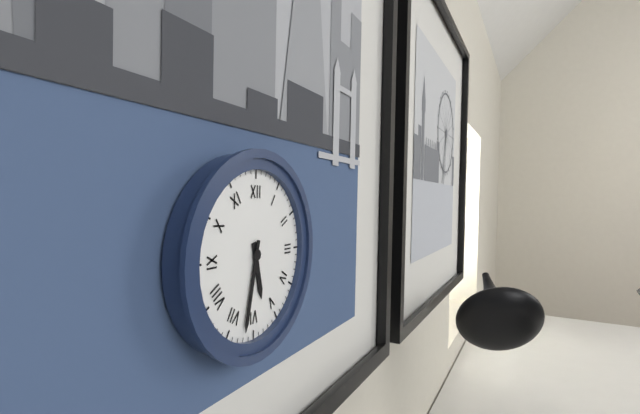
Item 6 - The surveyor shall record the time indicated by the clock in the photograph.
5:32
